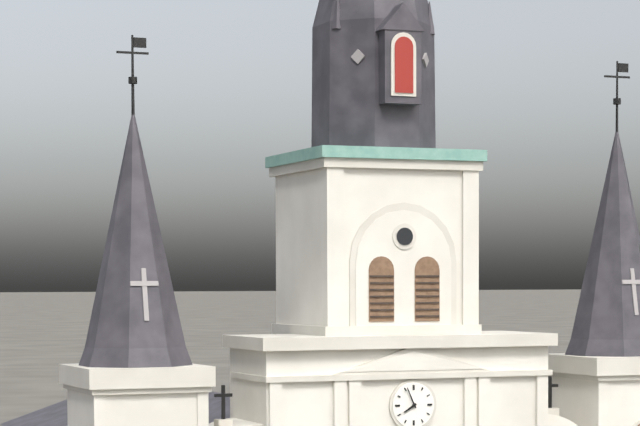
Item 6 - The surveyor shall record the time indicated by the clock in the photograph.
7:56
